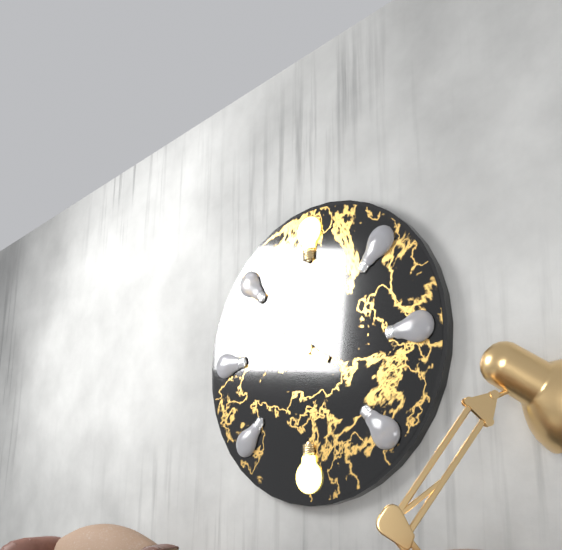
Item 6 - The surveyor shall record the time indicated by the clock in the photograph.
9:50
